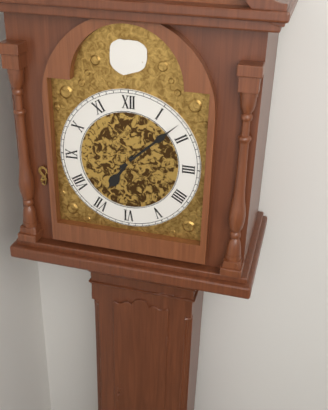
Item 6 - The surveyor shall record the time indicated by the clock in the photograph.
7:08
